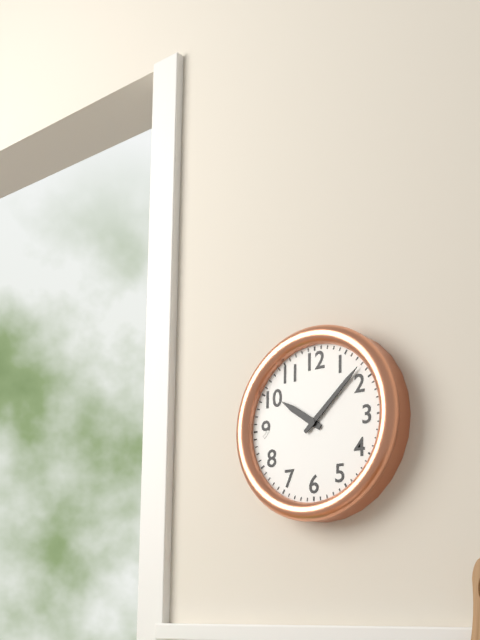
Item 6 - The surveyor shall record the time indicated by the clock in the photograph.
10:08
